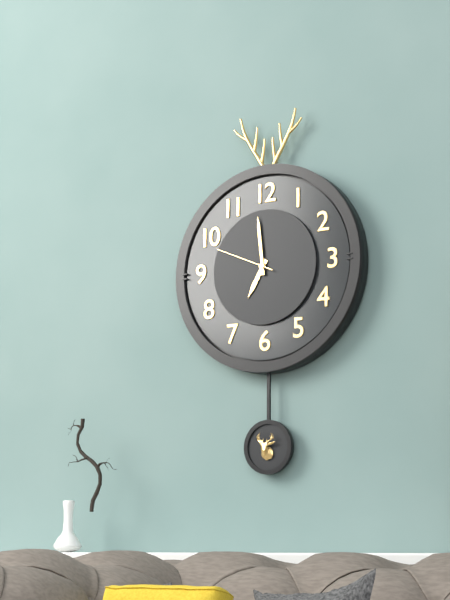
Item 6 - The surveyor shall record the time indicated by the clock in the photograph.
6:59:49
